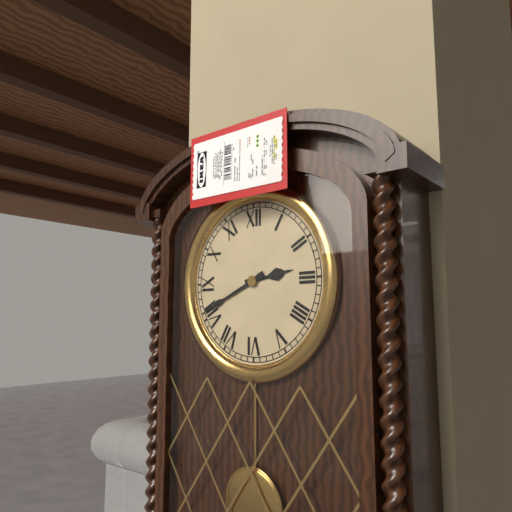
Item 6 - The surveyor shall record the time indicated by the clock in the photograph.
2:41
